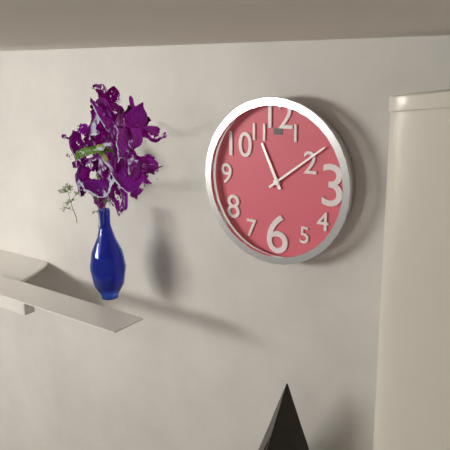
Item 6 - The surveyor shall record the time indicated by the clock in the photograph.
11:09
